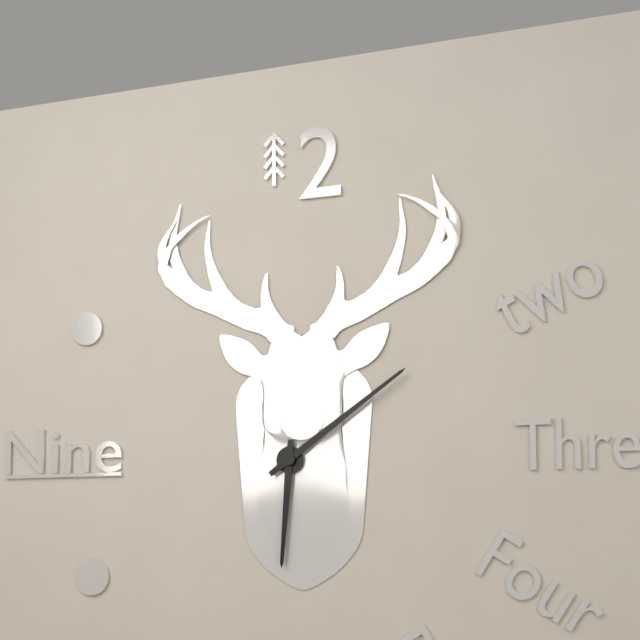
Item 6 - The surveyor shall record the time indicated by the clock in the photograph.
6:09
